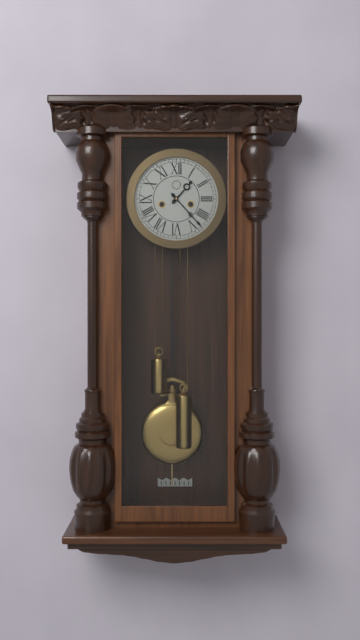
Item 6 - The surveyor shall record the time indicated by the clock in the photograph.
1:23
